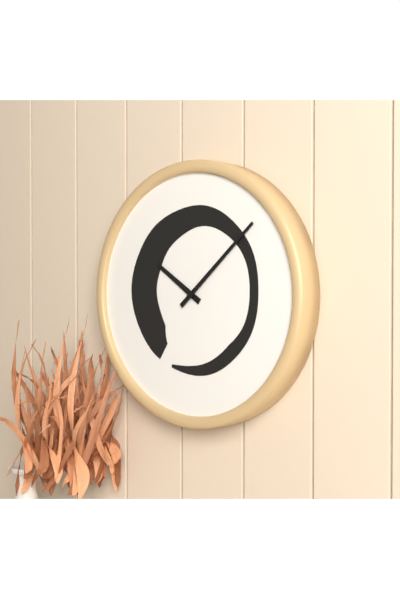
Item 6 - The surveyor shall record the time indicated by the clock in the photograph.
10:08
